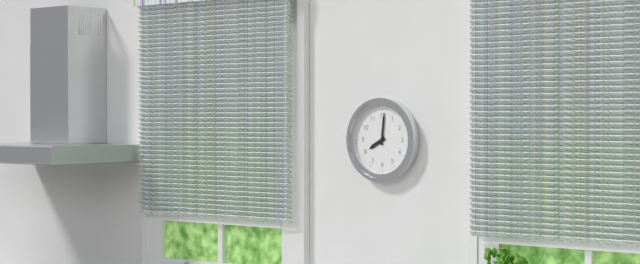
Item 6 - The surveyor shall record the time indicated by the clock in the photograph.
8:01
